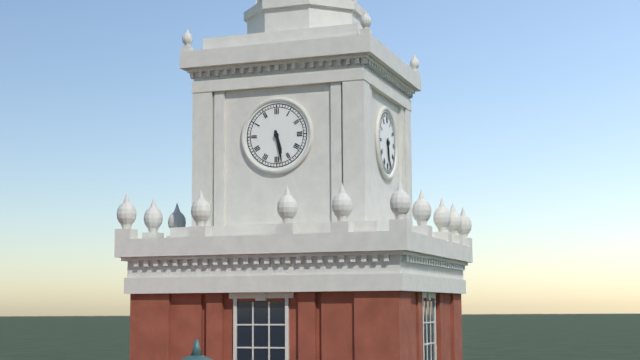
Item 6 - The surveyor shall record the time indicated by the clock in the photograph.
5:28
